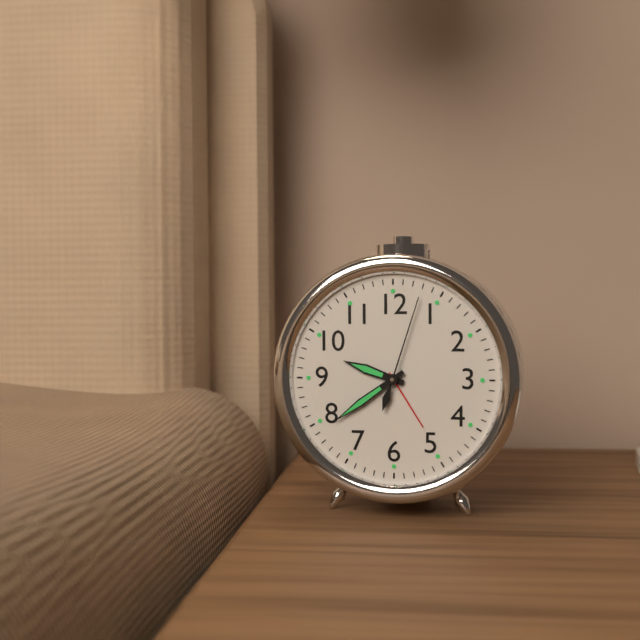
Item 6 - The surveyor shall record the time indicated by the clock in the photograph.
9:39:03
